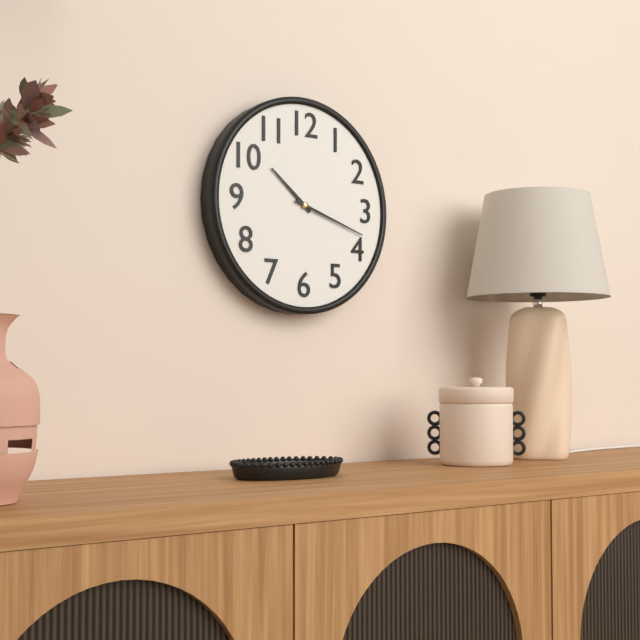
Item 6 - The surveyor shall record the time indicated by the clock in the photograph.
10:18
